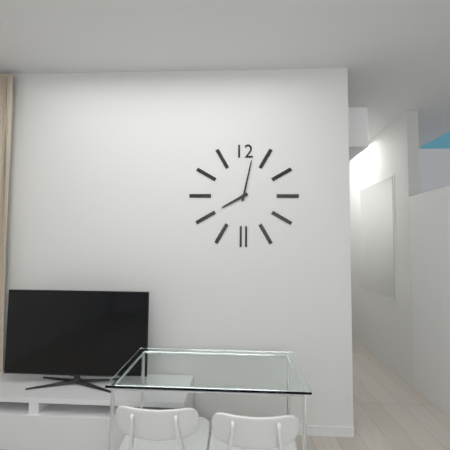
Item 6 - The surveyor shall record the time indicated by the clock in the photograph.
8:02
